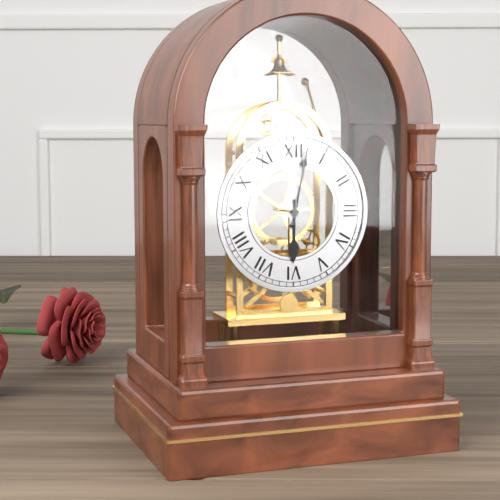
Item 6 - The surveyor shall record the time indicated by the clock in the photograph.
6:02
